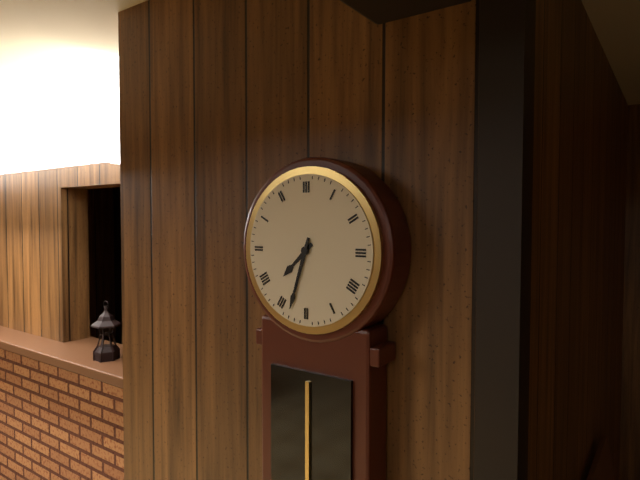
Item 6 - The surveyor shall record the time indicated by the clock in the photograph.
7:33
